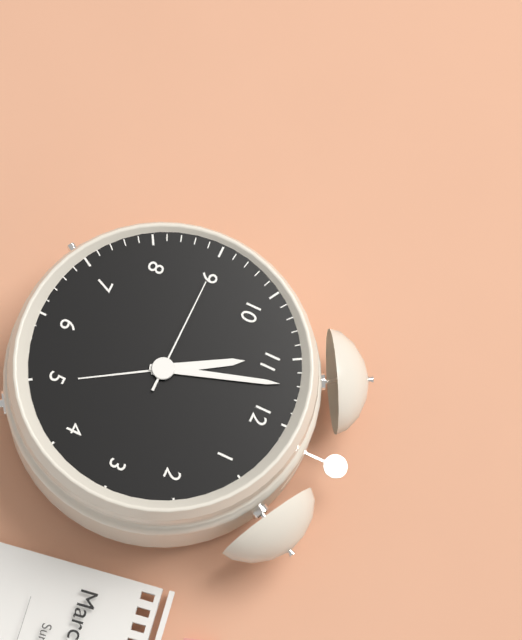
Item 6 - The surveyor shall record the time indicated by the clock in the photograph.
10:57:45
